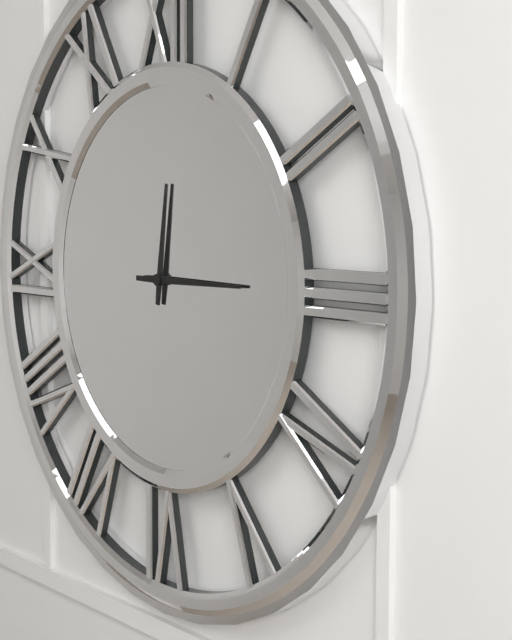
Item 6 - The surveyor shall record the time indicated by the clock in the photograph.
12:15
